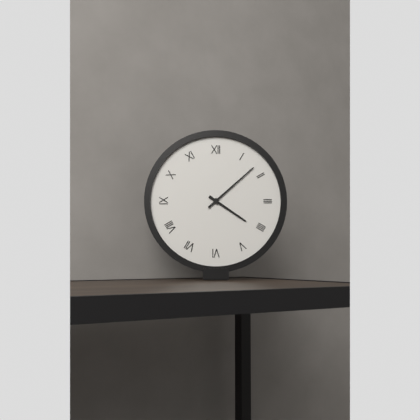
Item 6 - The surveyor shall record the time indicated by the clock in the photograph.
4:08
